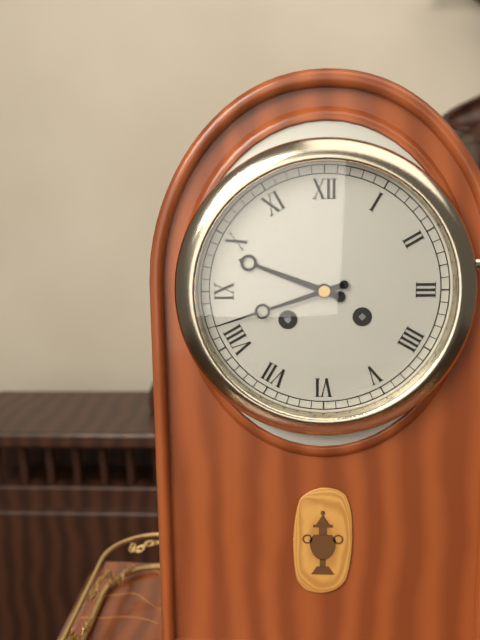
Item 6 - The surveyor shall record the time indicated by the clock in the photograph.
9:42
